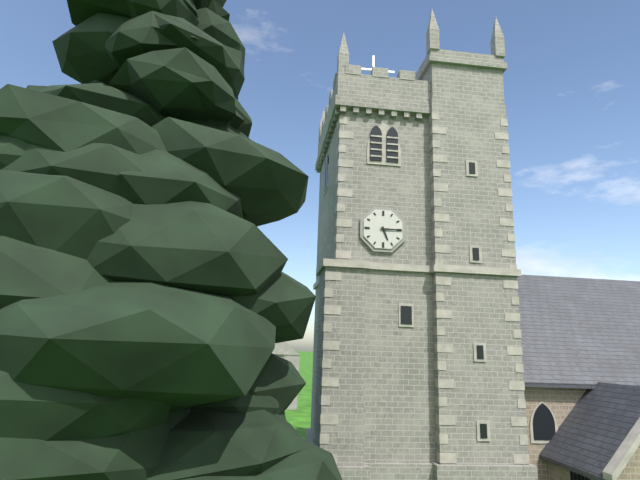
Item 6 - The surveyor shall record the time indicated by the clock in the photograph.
5:15
